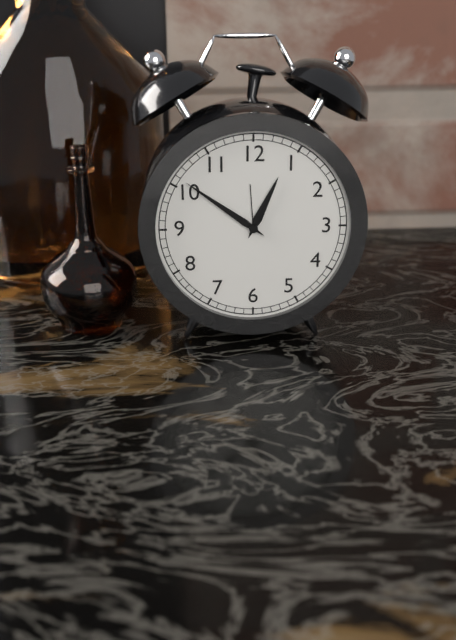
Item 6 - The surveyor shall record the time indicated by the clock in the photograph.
12:51
